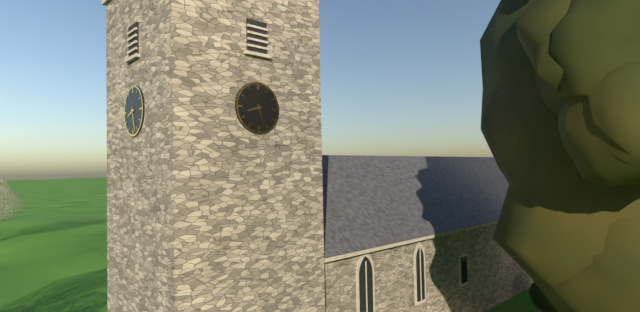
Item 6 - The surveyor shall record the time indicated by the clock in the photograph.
8:27
